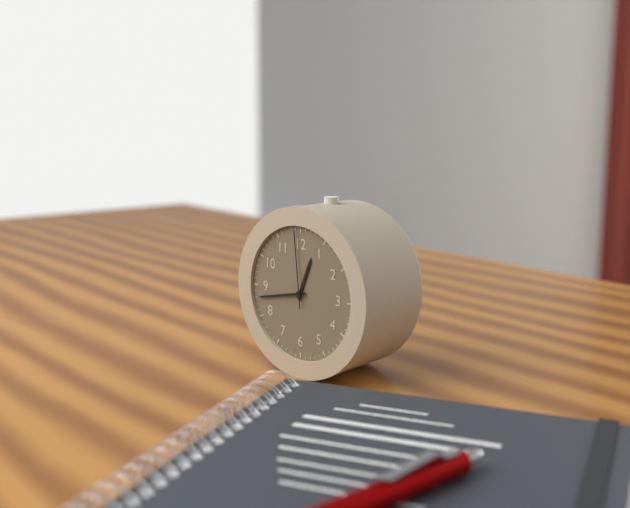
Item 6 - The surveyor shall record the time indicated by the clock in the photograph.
12:43:59
